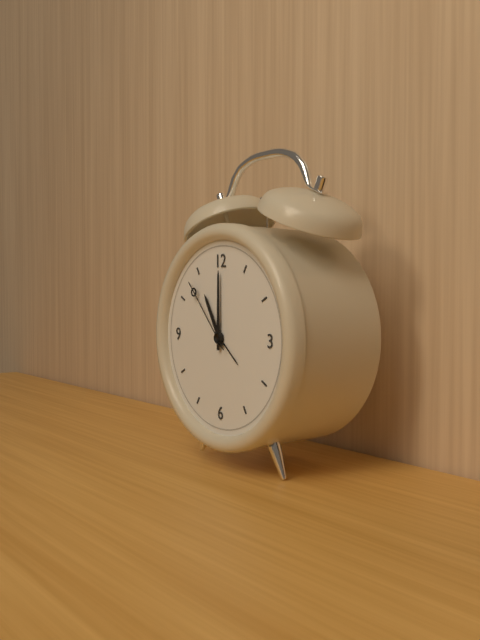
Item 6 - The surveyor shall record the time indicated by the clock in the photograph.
11:00:53
